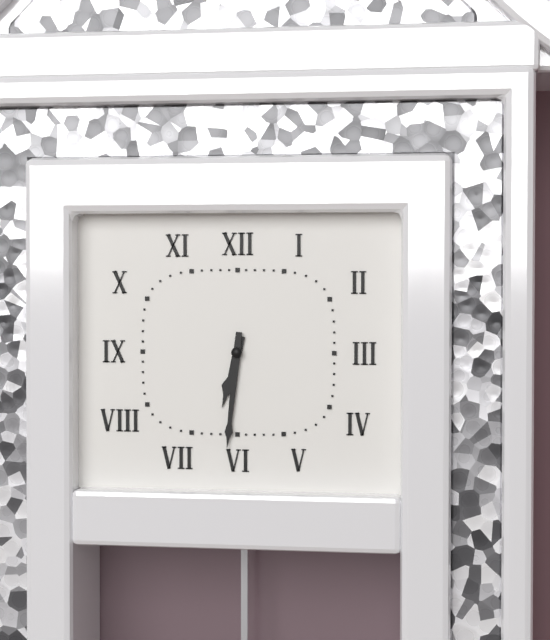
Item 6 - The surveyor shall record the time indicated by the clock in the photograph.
6:31
